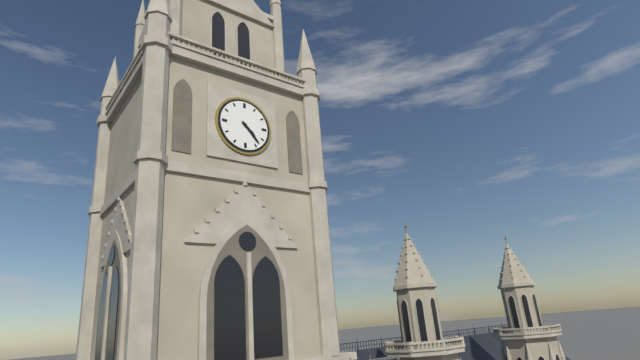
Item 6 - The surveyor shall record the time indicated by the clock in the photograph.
4:23
